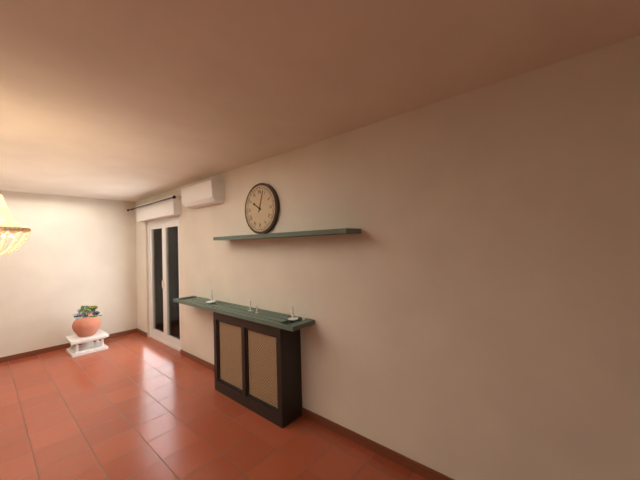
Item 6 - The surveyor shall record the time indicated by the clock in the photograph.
10:03
